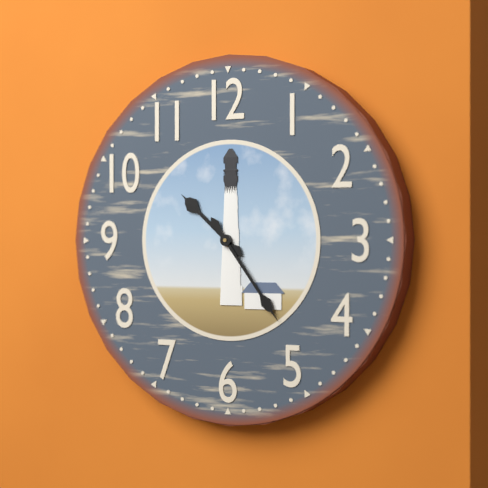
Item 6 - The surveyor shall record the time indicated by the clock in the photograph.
10:24
